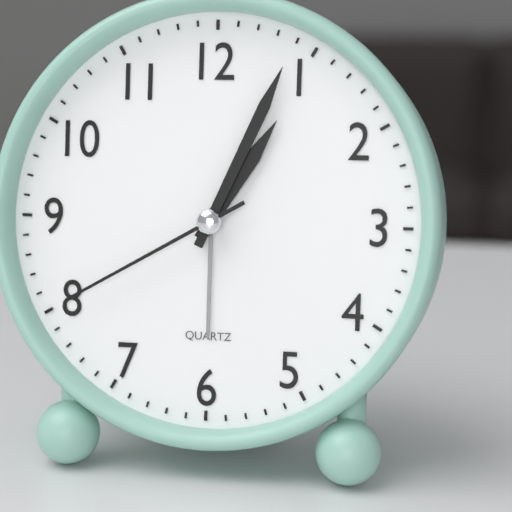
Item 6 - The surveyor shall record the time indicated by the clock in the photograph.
1:04:40
